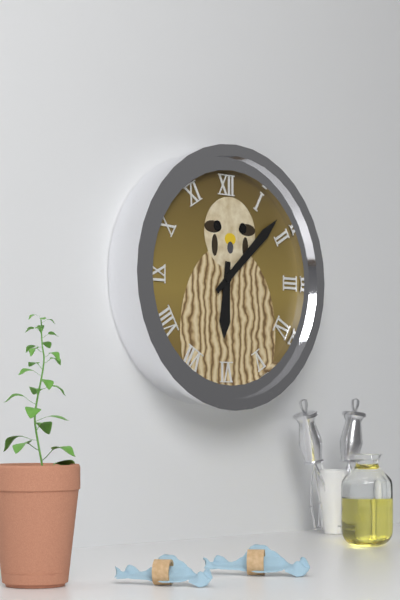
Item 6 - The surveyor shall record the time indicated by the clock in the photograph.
6:08
